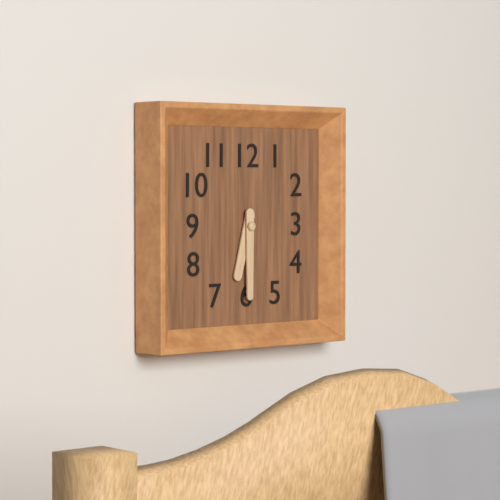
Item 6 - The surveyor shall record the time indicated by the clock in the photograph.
6:30
